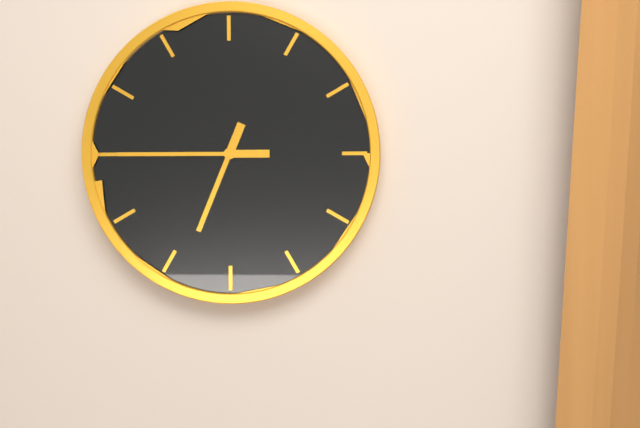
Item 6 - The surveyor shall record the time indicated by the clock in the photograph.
6:45
